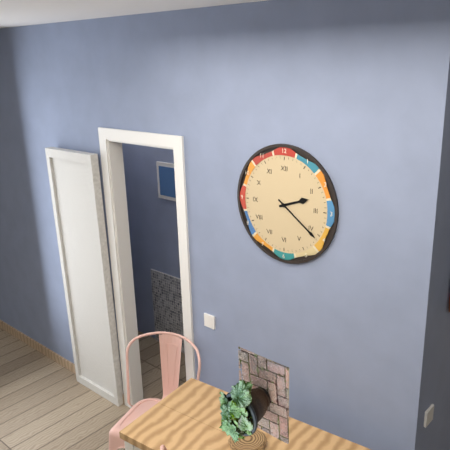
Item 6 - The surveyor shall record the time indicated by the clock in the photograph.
2:21
